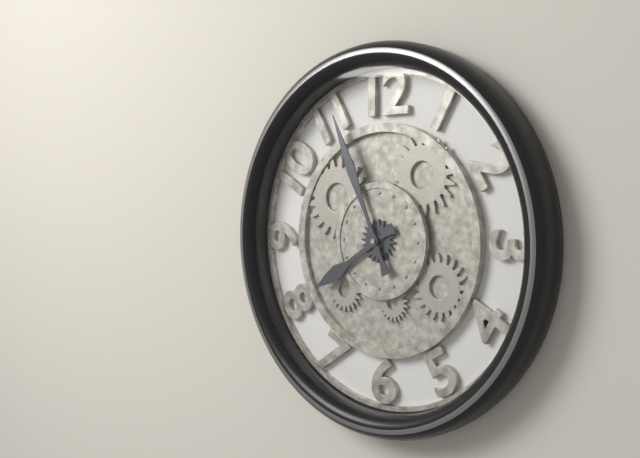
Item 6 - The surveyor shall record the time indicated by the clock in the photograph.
7:56
